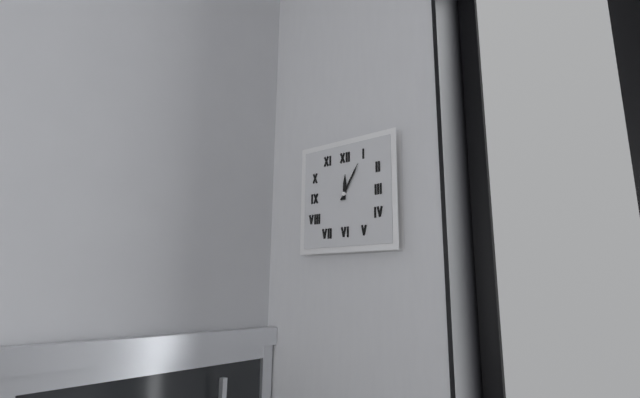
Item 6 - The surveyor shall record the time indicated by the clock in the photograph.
12:05
